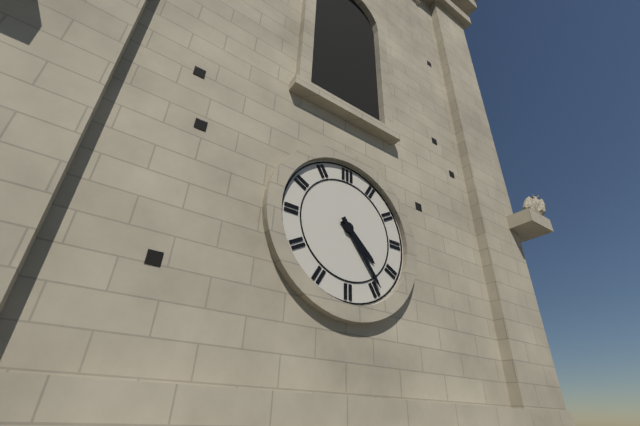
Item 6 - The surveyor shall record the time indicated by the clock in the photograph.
4:24
